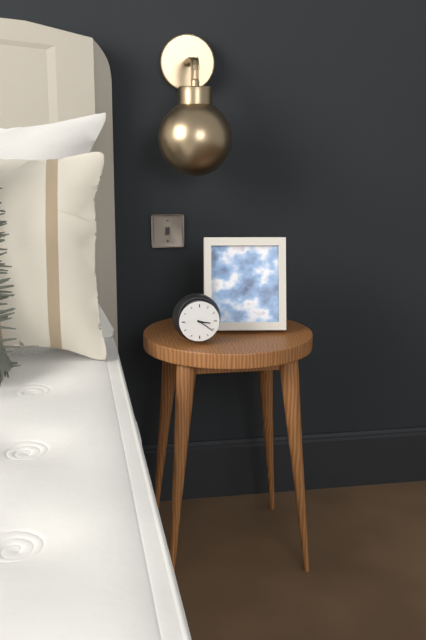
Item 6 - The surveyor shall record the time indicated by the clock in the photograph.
3:21
